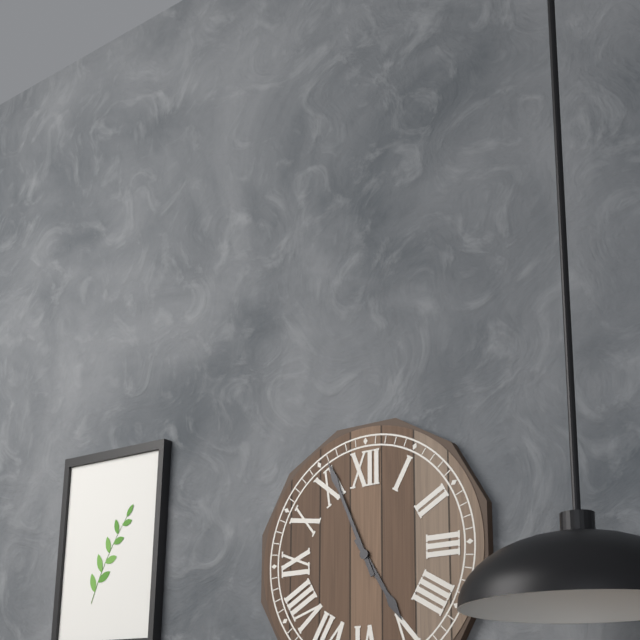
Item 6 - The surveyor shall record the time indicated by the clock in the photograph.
4:56
